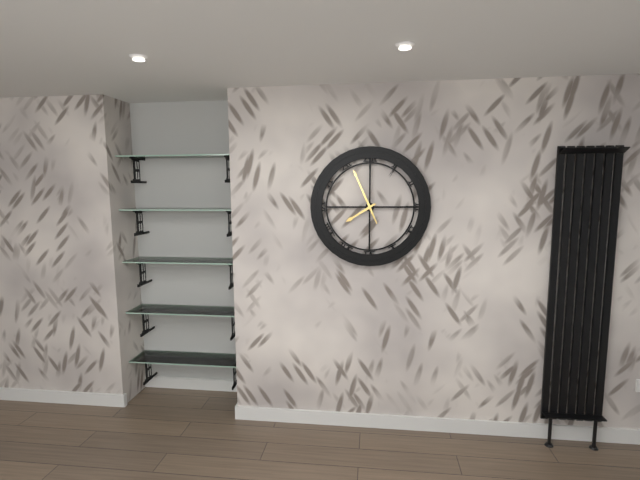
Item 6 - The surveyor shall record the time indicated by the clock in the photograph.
7:56
